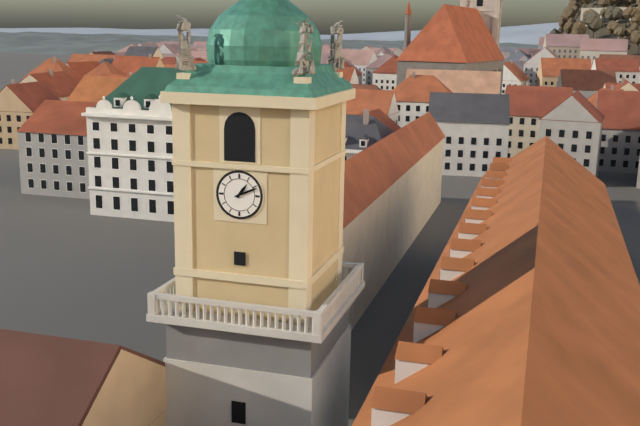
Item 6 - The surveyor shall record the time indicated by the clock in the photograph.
1:11
